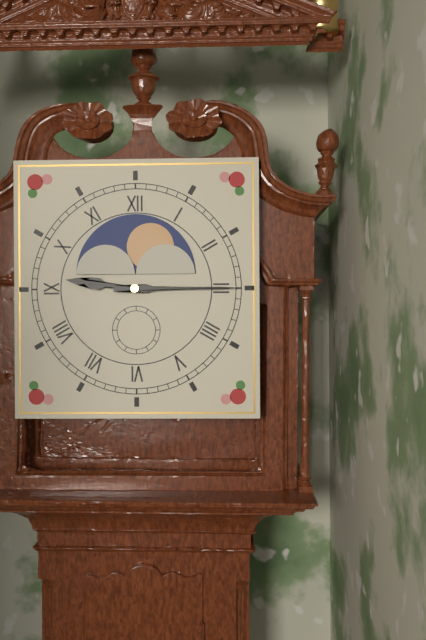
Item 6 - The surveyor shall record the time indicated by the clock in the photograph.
9:15
